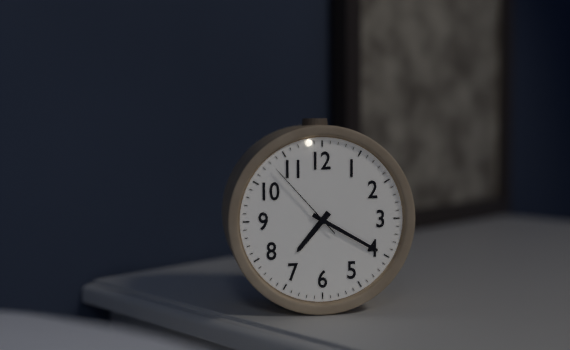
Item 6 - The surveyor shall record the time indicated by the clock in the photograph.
7:20:53
